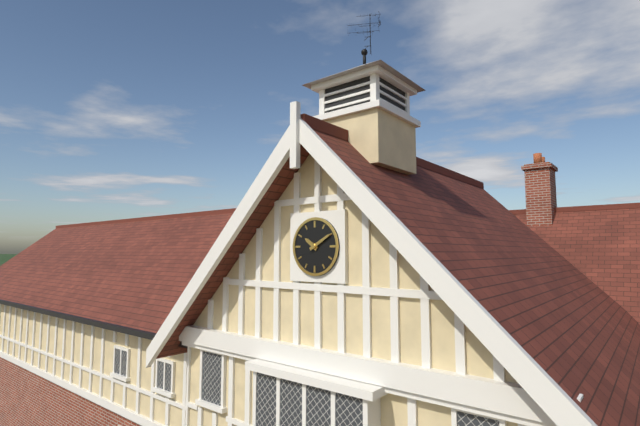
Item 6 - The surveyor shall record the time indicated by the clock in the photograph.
10:10
